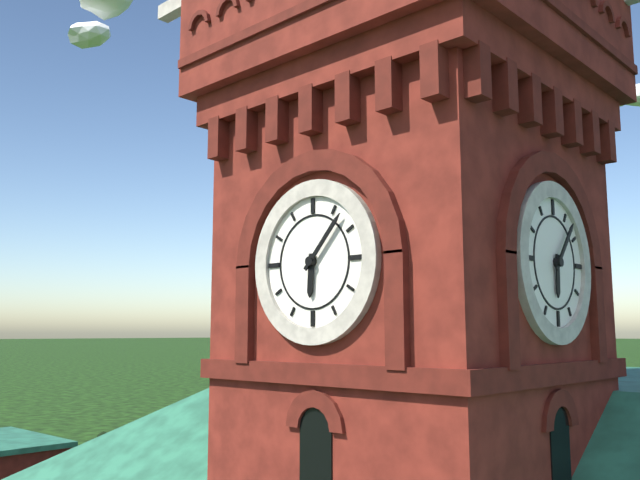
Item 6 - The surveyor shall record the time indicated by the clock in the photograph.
6:07
